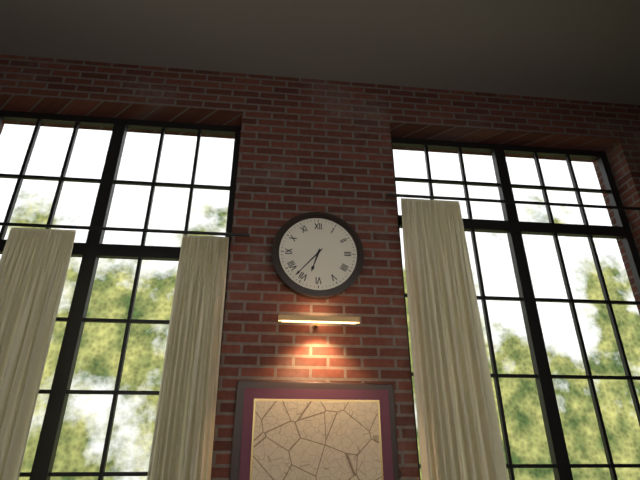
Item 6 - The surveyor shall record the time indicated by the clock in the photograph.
6:37
